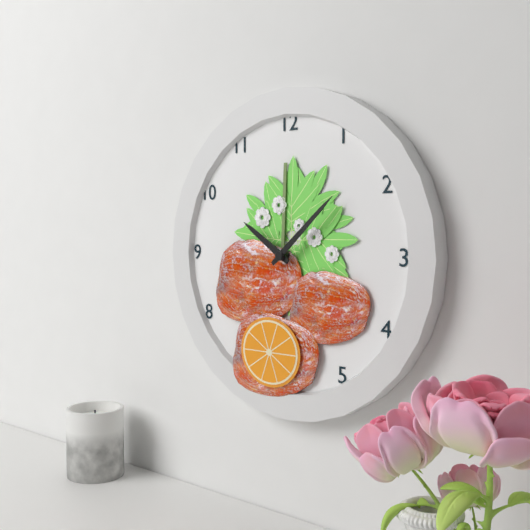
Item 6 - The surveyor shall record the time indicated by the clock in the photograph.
10:08
